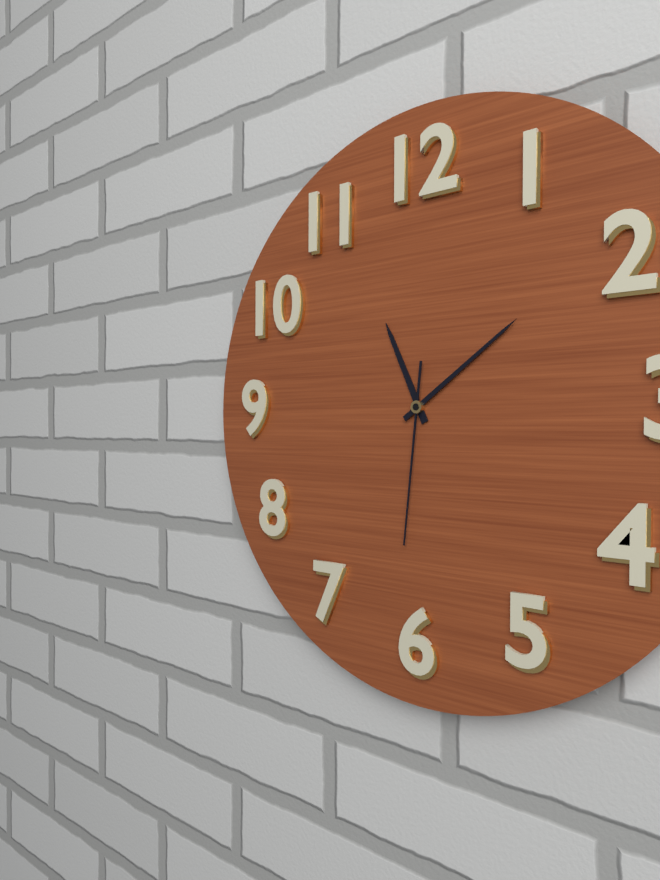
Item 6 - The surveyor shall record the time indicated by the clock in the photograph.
11:09:31
